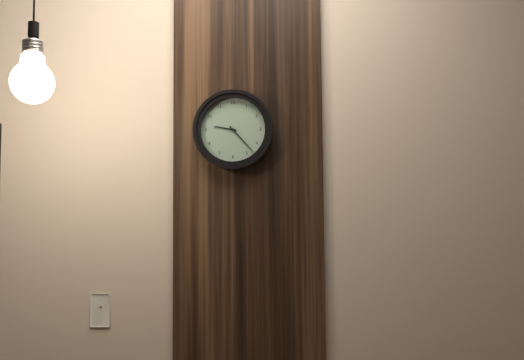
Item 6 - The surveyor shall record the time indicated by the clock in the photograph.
9:23
